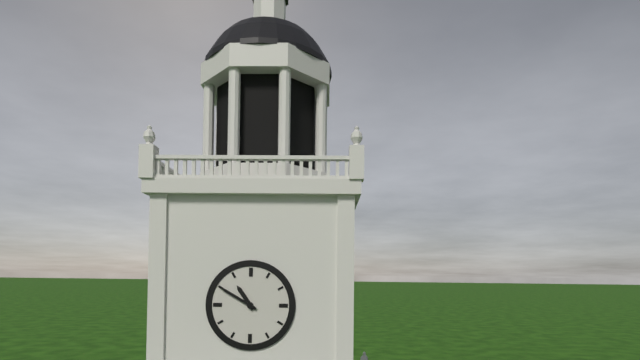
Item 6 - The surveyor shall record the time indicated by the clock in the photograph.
10:50
